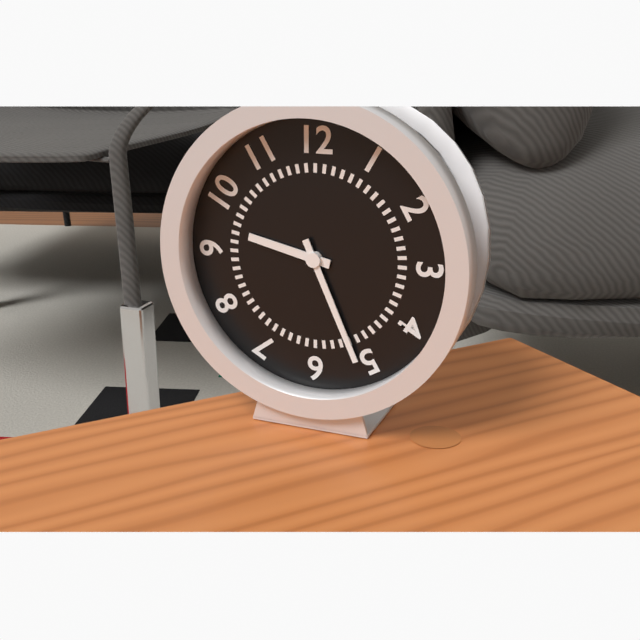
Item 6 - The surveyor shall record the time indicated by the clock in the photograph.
9:26
